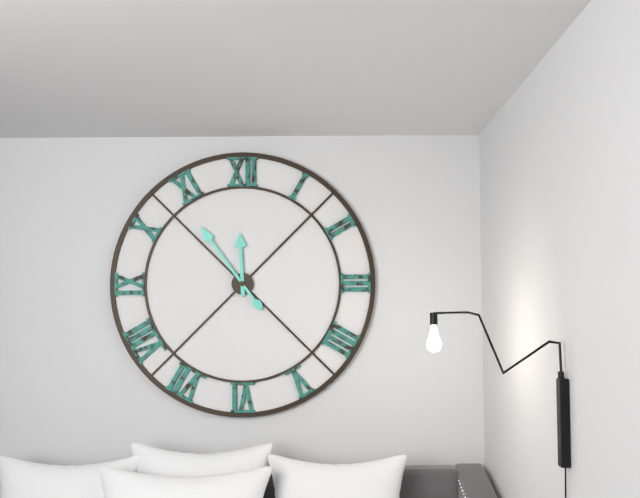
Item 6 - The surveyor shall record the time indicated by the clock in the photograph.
11:54
